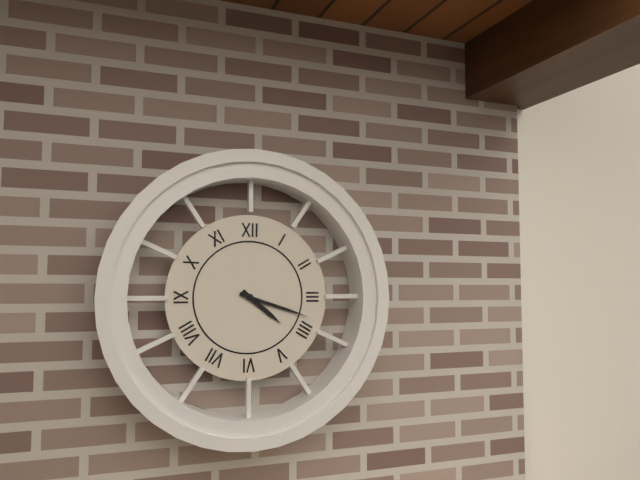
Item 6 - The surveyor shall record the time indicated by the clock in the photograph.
4:18
